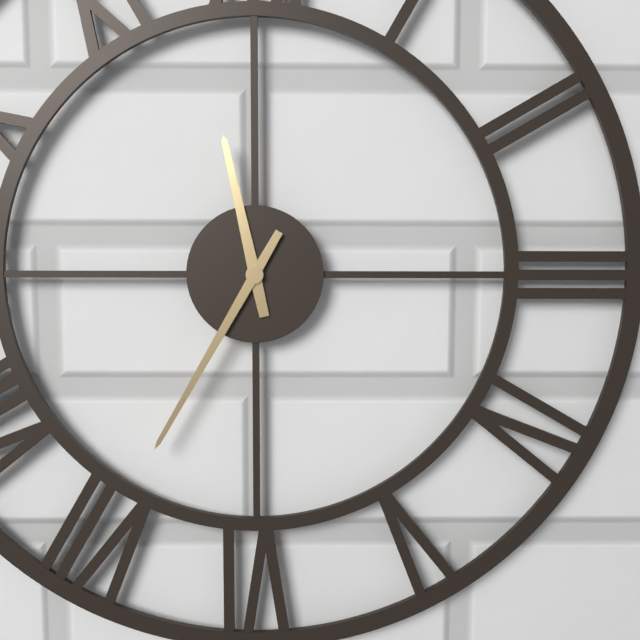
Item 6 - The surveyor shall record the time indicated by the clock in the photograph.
11:35
